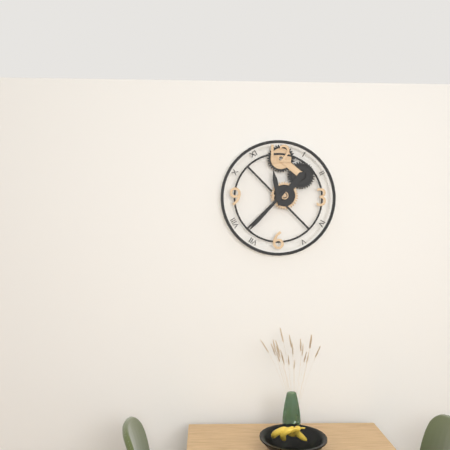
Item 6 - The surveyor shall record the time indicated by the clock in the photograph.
11:37
